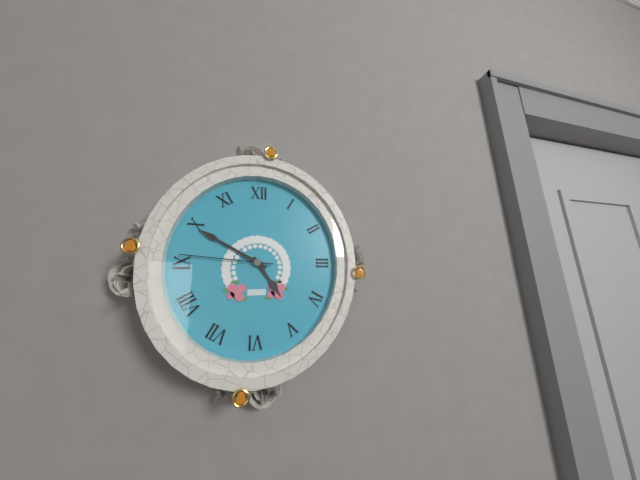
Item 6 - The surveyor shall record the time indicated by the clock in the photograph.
4:50:46
